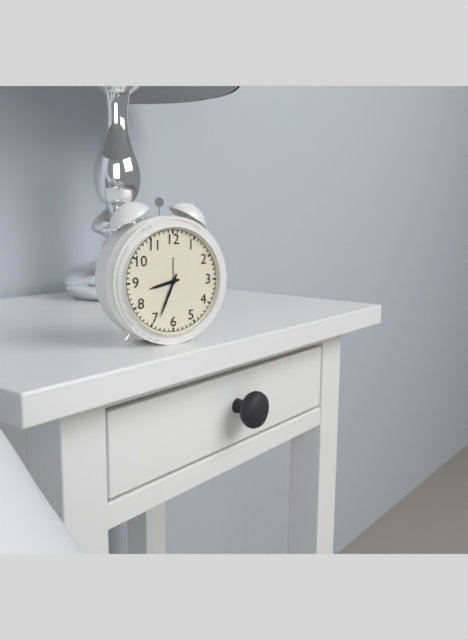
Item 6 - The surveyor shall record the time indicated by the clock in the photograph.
8:34
